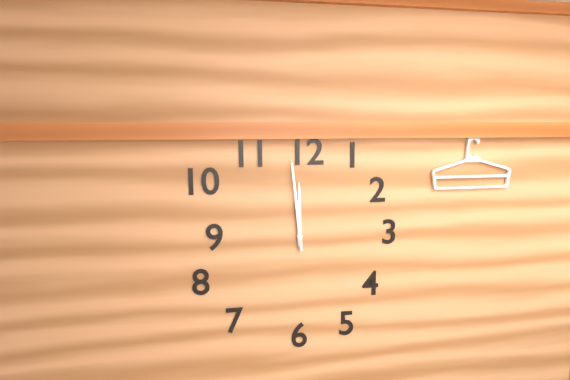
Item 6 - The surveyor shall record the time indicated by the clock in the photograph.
11:59
